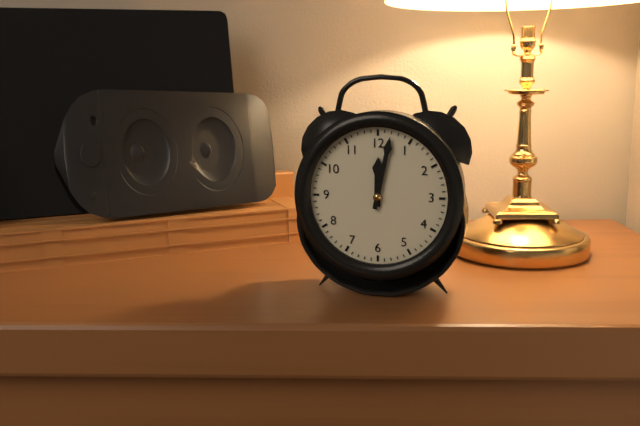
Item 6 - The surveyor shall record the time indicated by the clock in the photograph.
12:02
